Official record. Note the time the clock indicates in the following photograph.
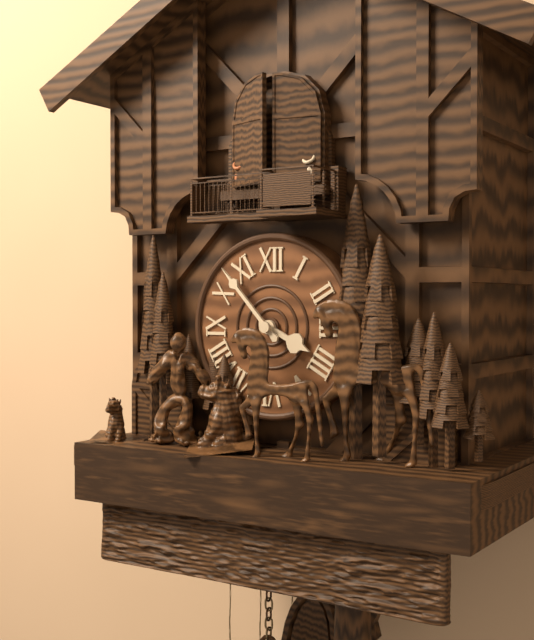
3:53
